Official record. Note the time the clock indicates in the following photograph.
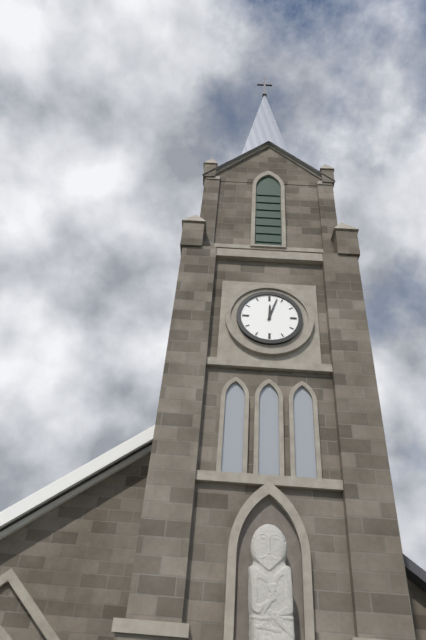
12:03
